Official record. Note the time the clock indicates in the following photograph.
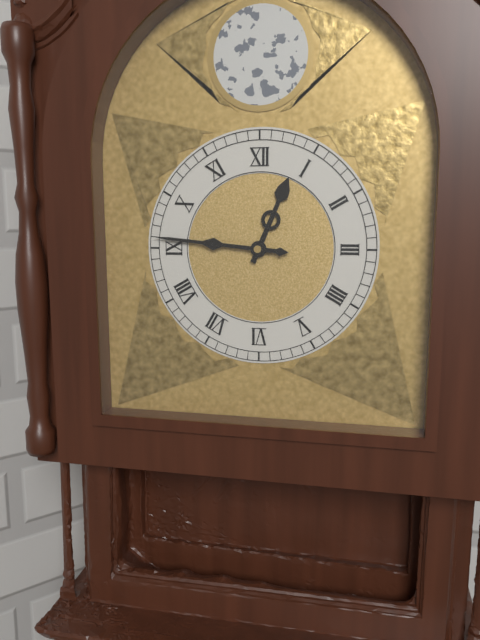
12:46
